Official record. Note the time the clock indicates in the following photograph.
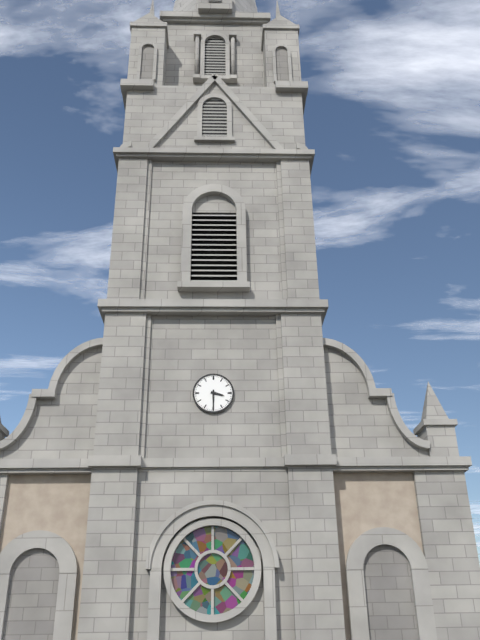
3:30
